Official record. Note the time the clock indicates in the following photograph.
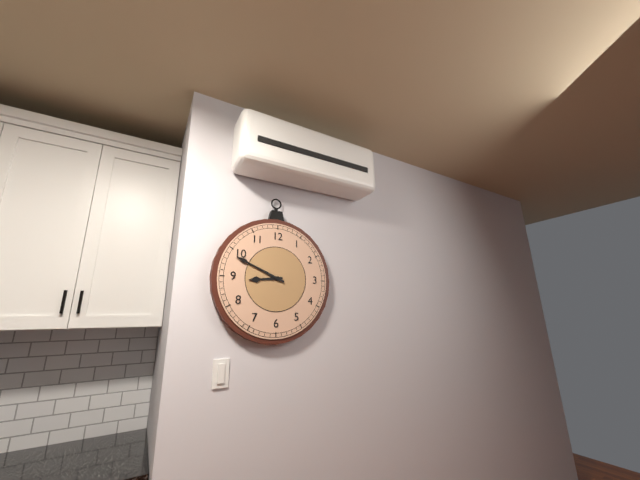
8:49
